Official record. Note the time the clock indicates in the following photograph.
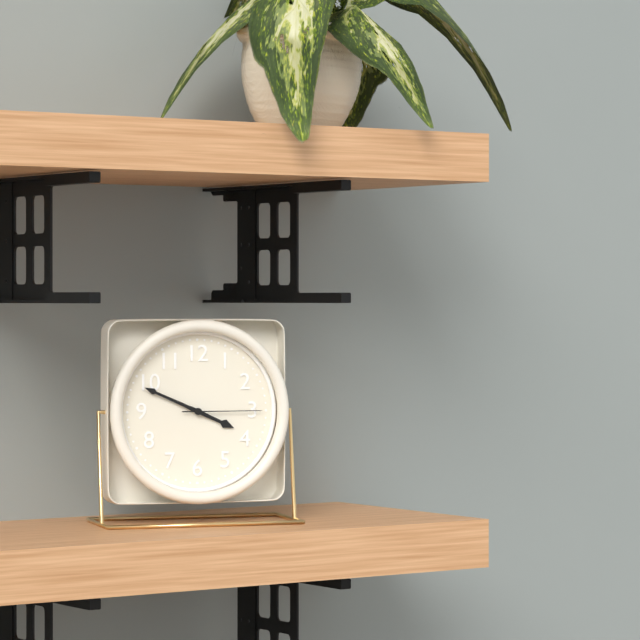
3:49:15
